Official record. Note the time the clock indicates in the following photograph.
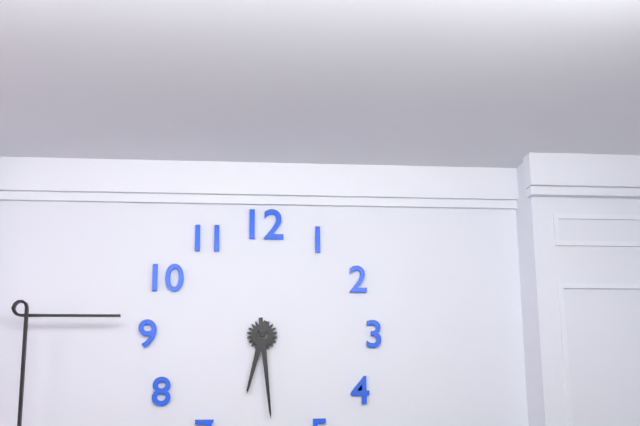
6:29
